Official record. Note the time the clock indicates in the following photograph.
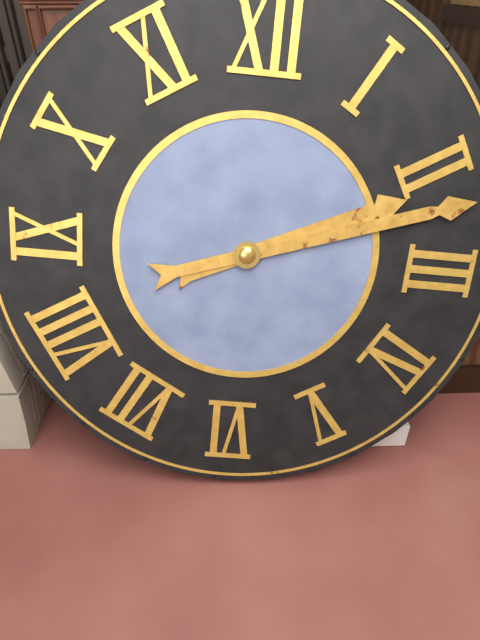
2:12
